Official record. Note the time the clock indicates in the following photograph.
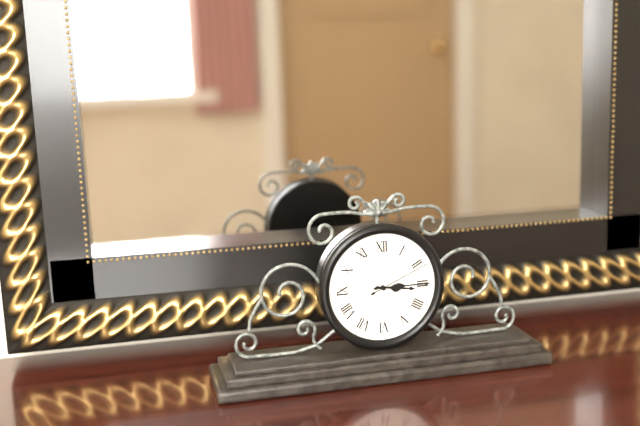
3:15:11
